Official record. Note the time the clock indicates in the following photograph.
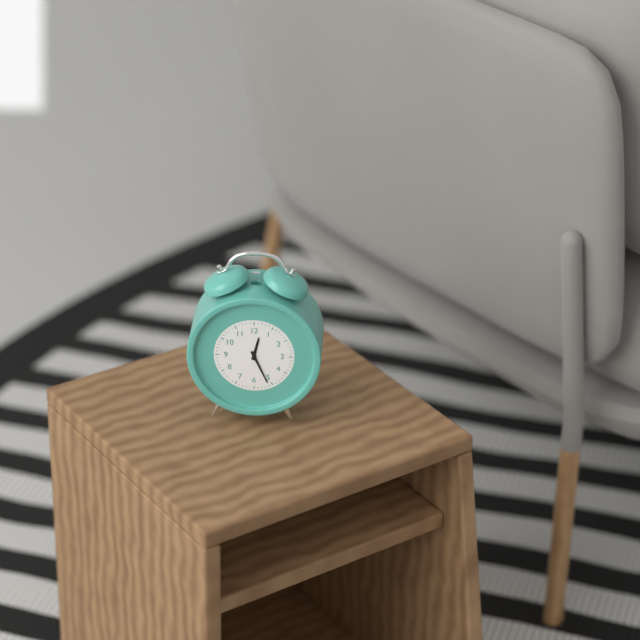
12:26
